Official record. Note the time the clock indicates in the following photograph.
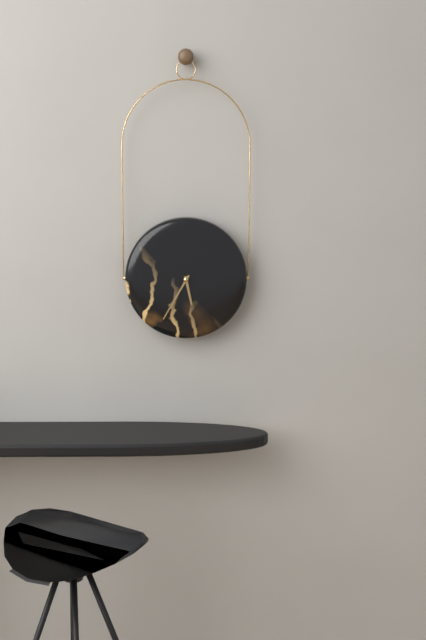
5:35
